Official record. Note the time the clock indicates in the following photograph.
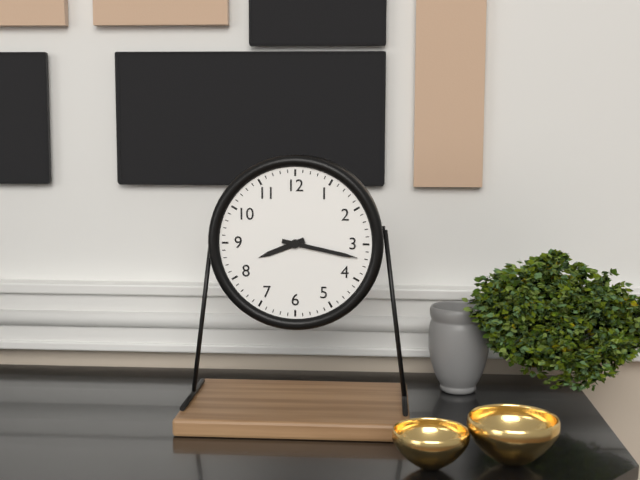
8:17
